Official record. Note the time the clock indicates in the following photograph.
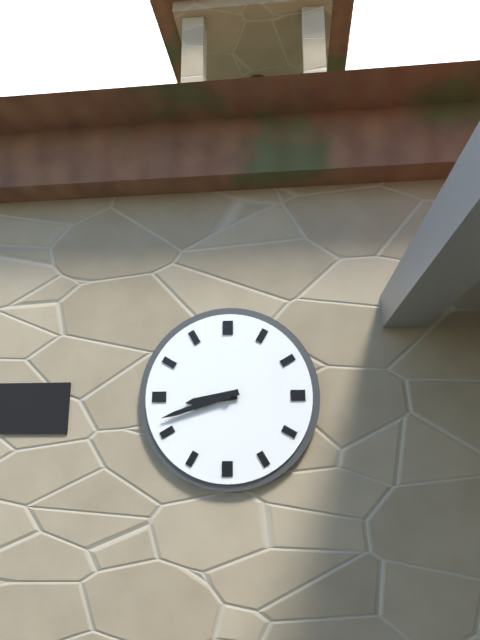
8:42
